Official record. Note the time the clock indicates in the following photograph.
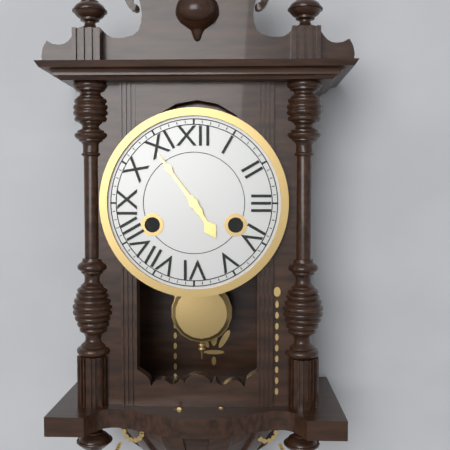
4:54
